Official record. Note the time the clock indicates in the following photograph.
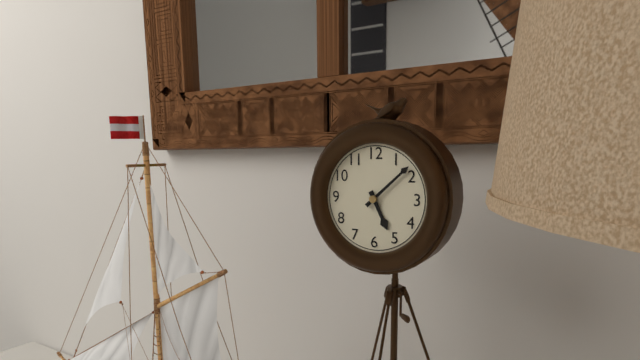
5:08
